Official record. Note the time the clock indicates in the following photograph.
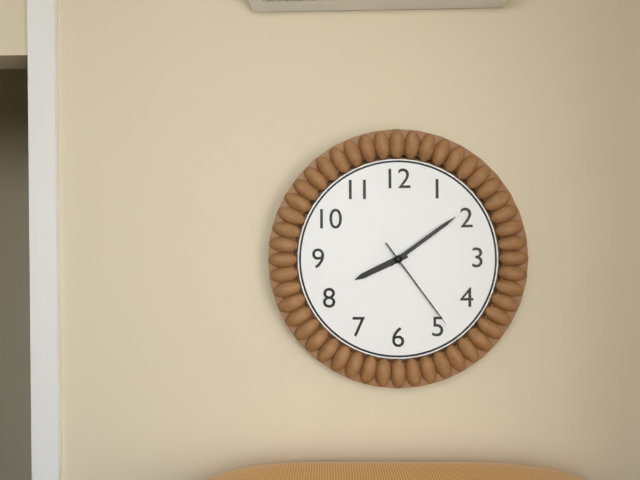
8:09:24
